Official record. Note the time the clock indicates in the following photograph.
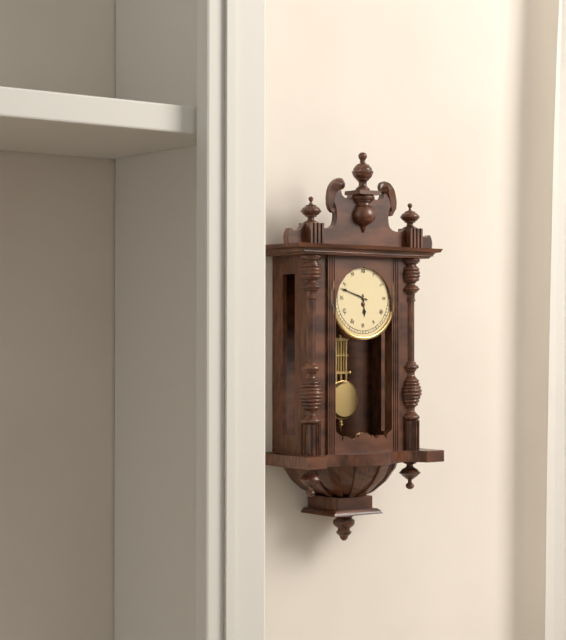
5:48
